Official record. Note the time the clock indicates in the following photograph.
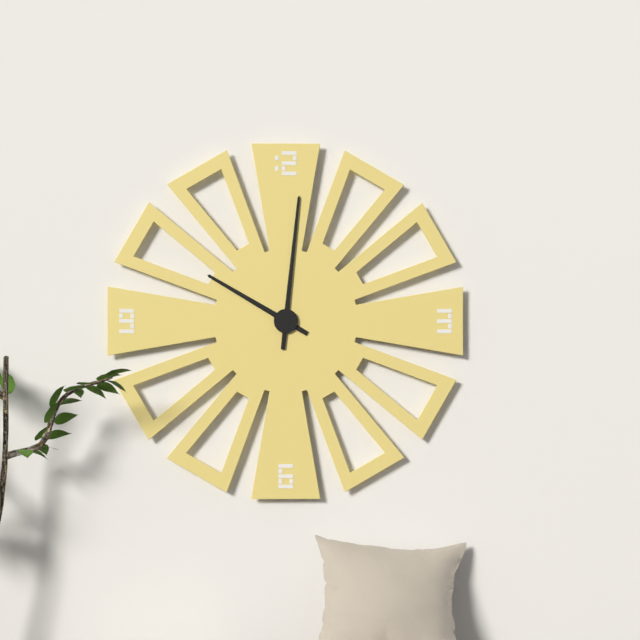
10:01
